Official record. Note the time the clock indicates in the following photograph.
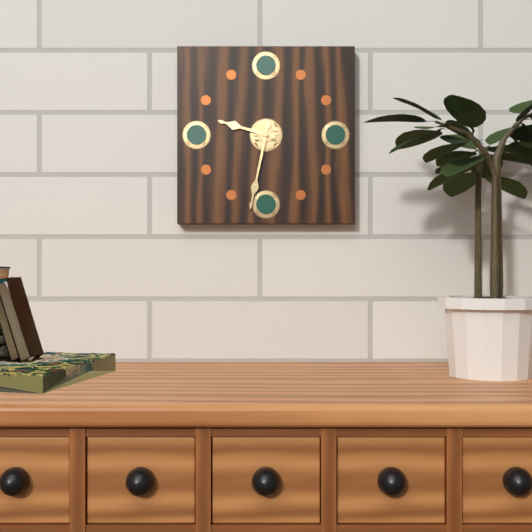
9:32
